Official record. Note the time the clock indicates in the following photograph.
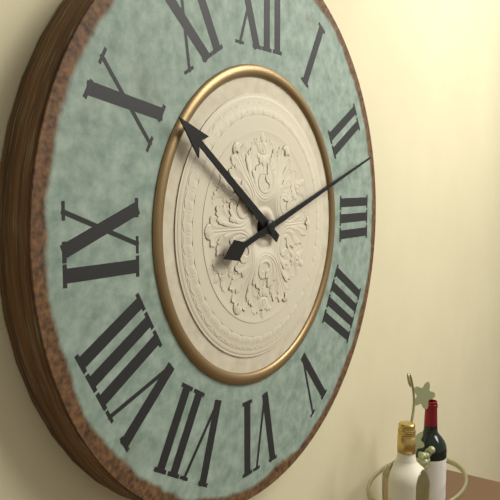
10:12
